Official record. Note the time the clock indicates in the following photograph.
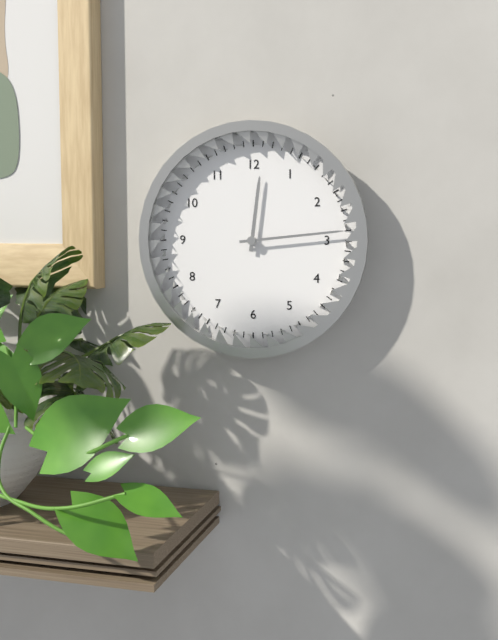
12:14
